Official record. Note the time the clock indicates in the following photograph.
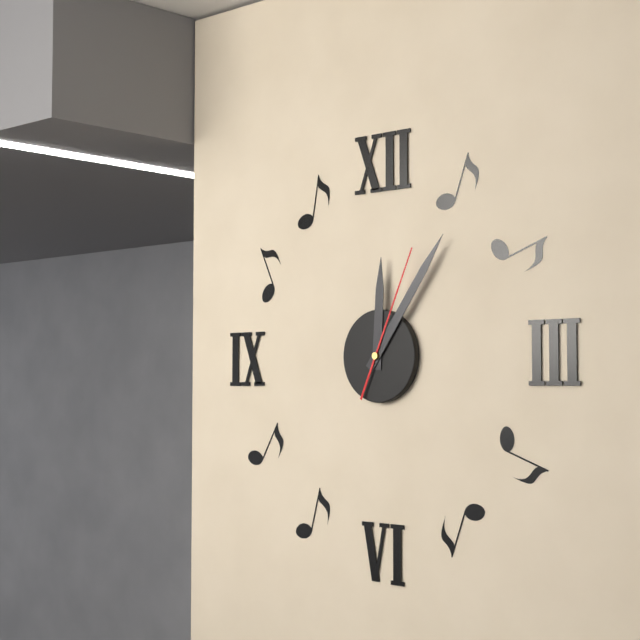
12:06:04
